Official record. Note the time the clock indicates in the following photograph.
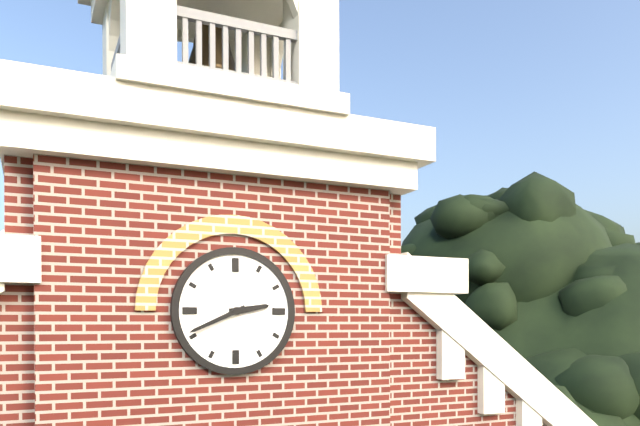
2:41
